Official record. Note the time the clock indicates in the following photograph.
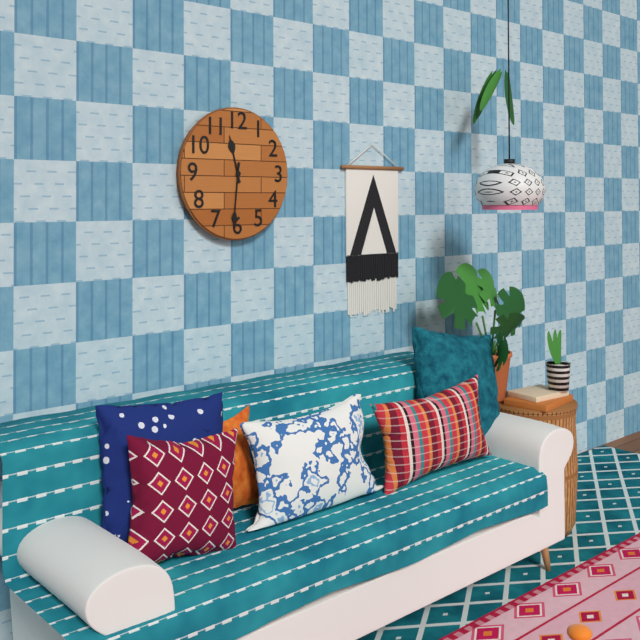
11:31
